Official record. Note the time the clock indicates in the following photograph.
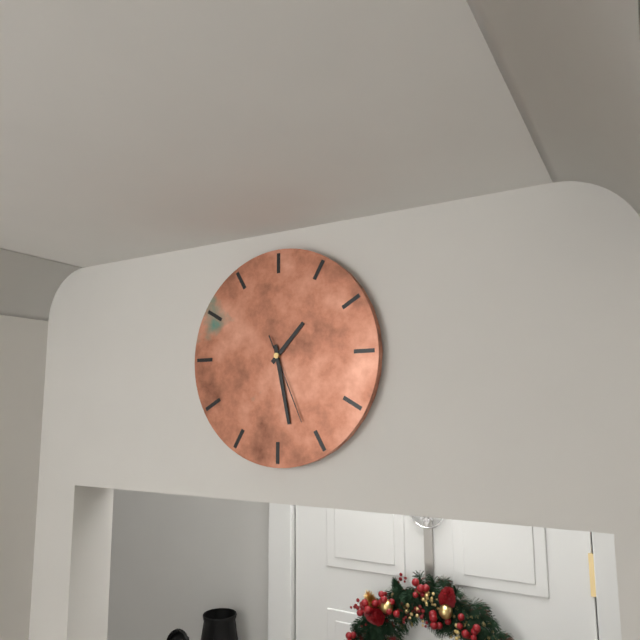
1:28:26
